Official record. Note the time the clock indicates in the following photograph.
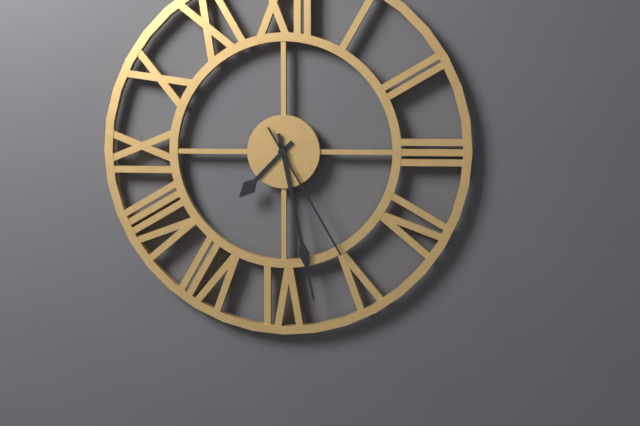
7:28:25
